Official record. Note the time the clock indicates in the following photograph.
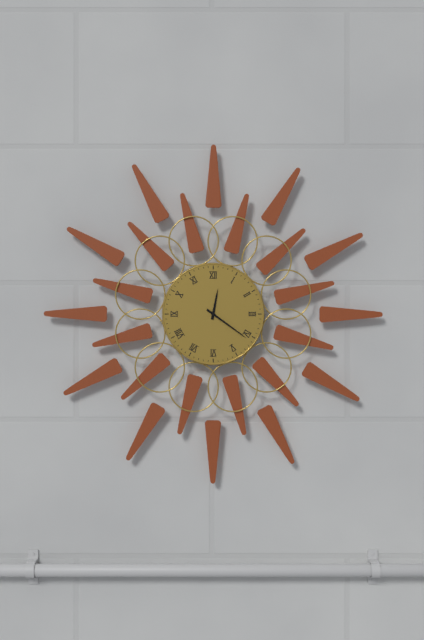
12:21
